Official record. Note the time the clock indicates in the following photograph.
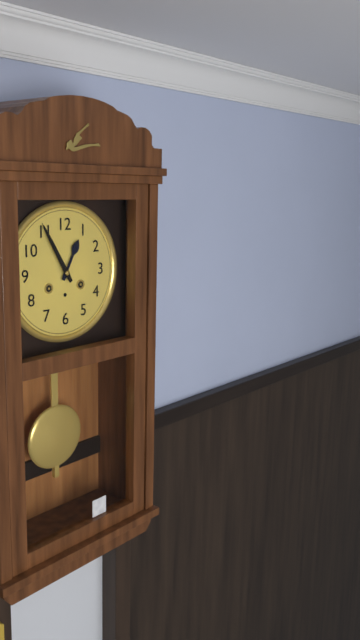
12:55
